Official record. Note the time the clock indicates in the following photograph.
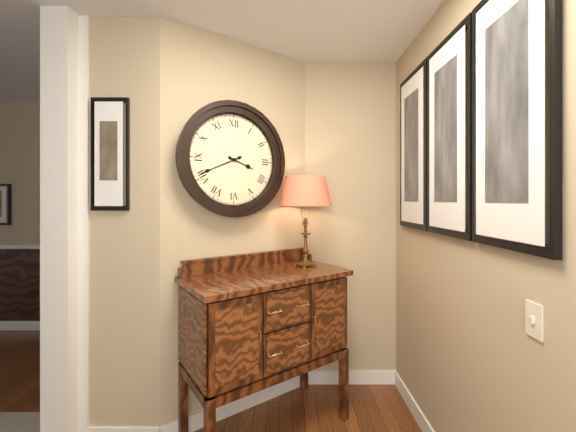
3:41
